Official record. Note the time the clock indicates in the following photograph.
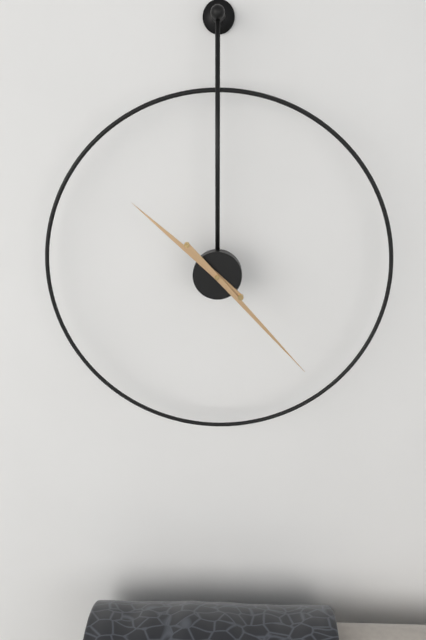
10:23
